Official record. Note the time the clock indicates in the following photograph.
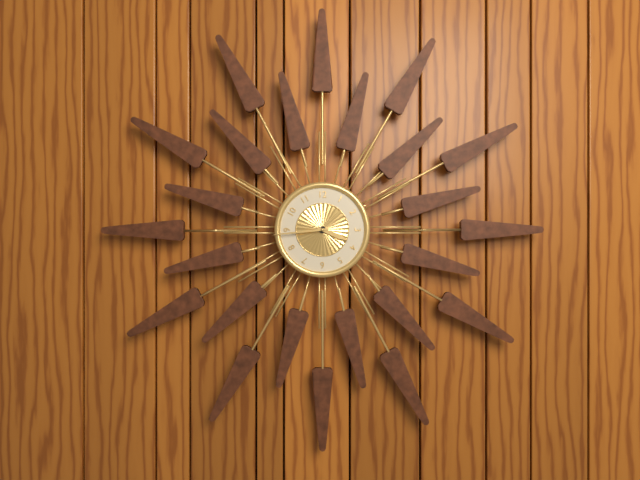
3:44
